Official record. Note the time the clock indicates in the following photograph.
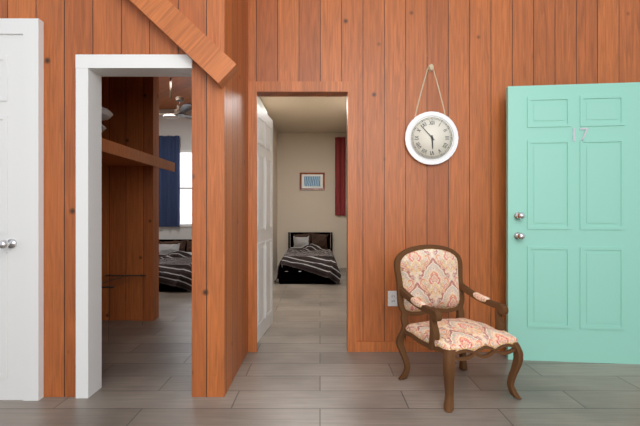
5:53
